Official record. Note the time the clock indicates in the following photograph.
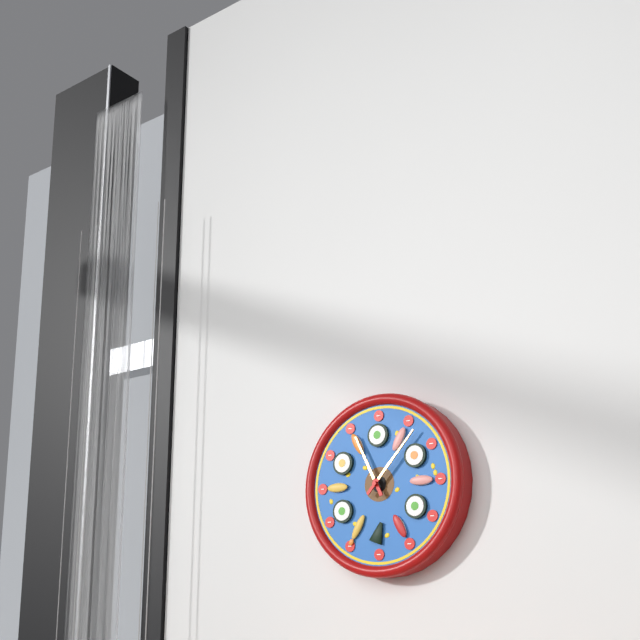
11:07
